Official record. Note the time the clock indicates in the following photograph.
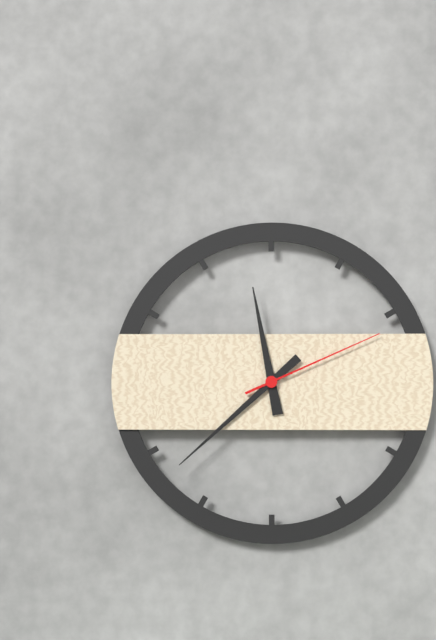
11:38:11
